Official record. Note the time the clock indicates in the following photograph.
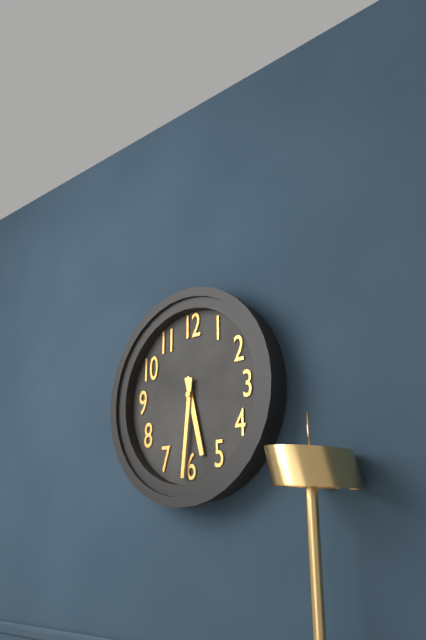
5:31
